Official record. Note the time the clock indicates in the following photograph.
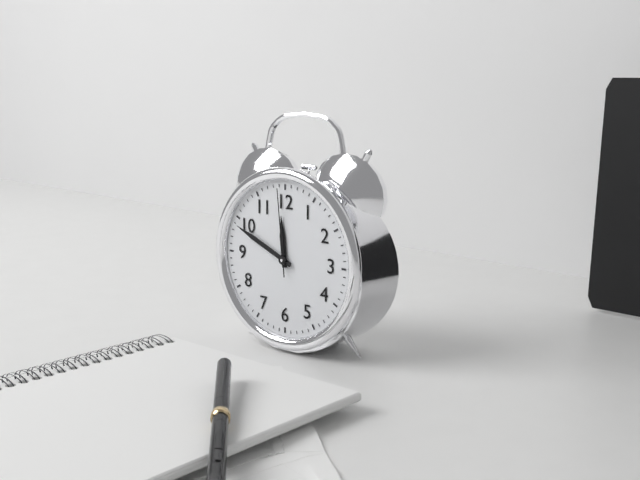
11:49:59
